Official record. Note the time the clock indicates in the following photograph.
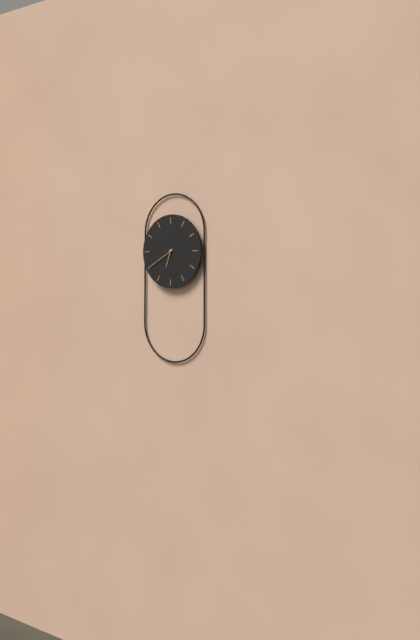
6:40
